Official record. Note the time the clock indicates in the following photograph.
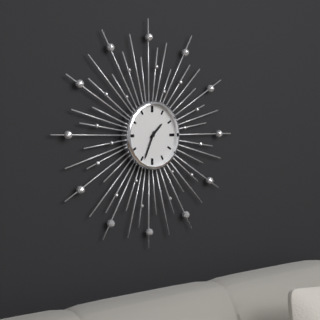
1:34
